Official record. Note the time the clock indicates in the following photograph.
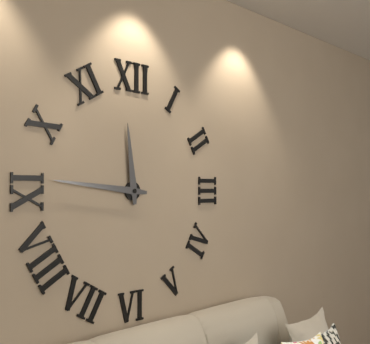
11:46
